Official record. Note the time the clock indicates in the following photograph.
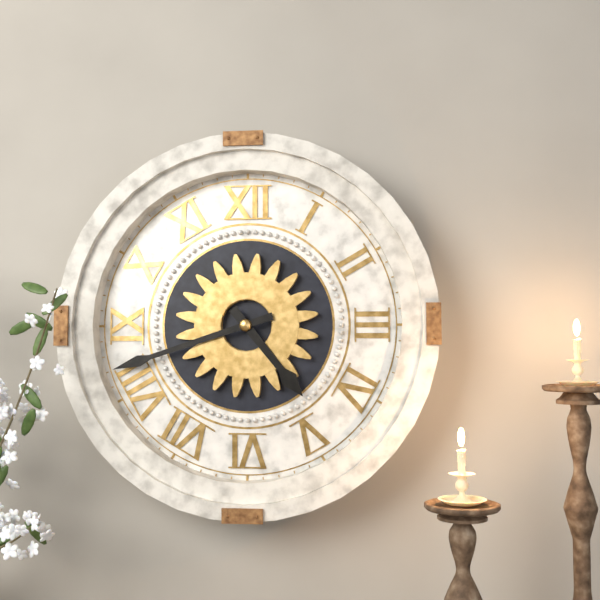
4:42
